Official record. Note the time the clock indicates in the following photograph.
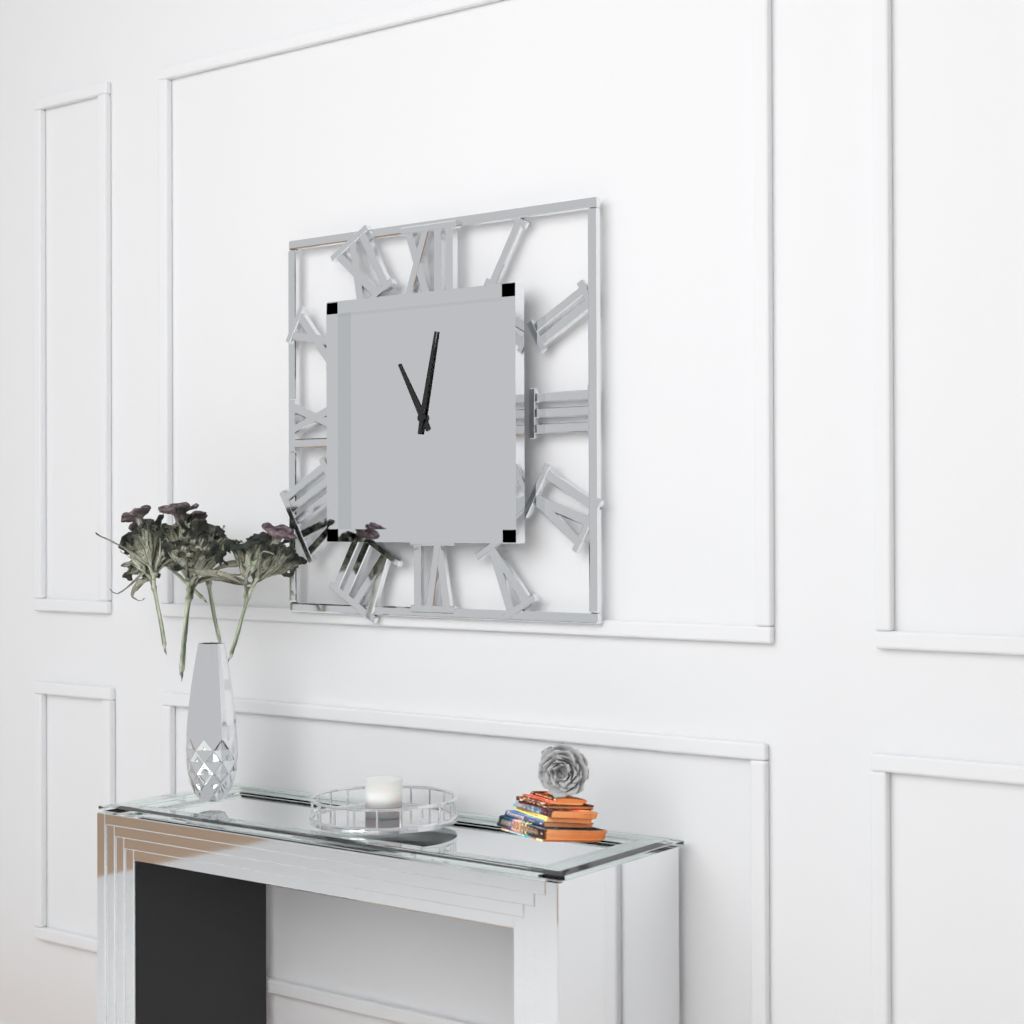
11:02
